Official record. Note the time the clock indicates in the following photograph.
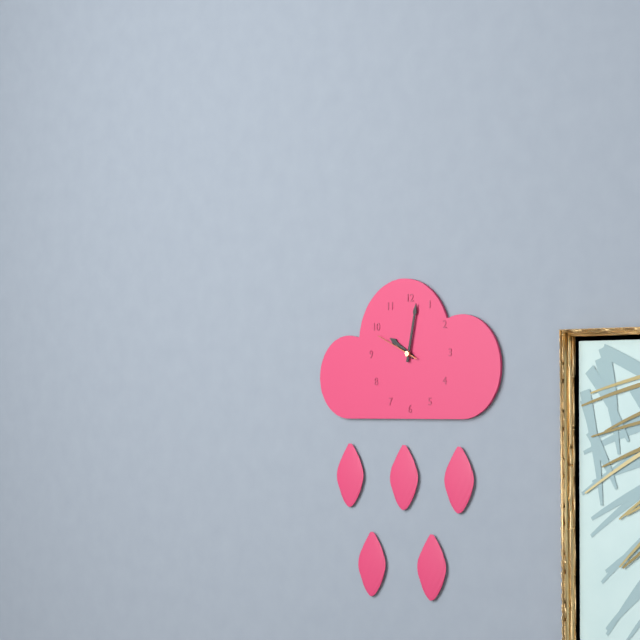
10:02
